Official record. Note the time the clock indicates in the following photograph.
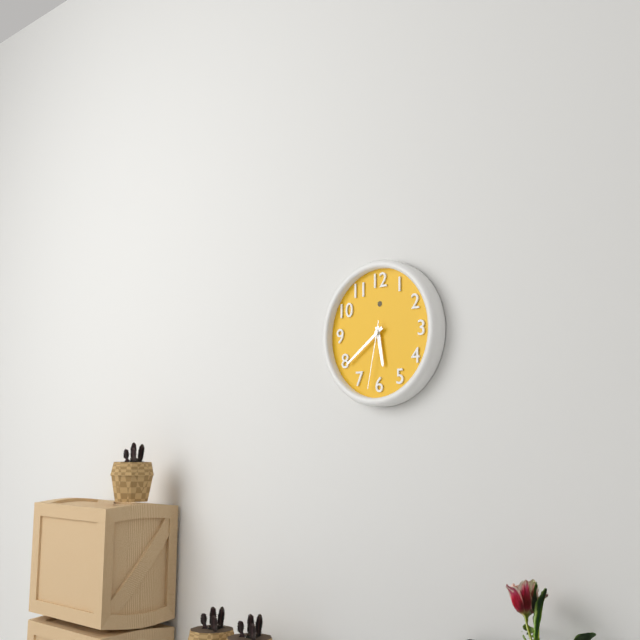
5:39:32
